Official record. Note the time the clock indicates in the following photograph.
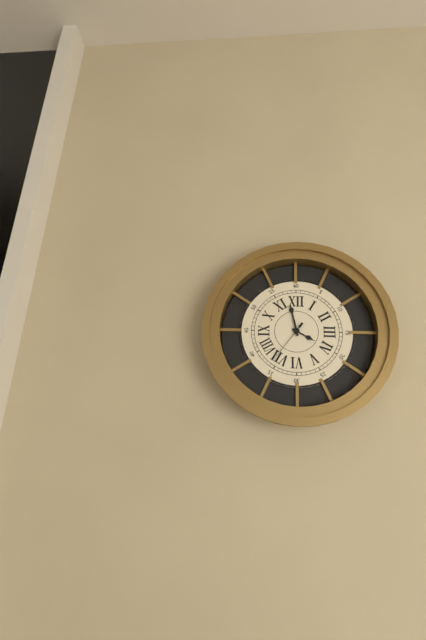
3:58
